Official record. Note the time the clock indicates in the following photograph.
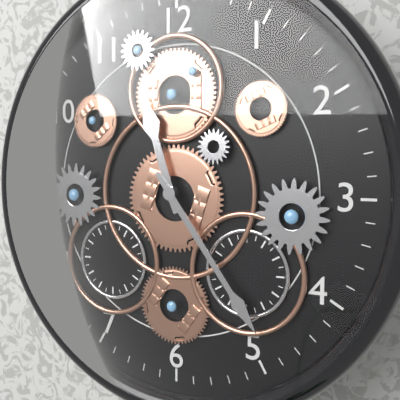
11:24
